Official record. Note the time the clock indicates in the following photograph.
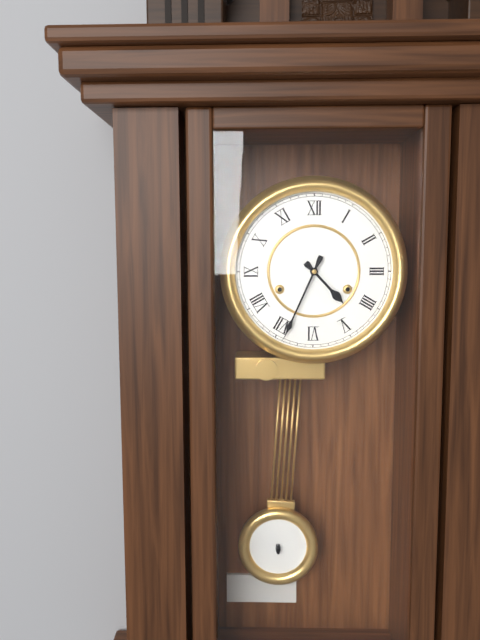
4:34
